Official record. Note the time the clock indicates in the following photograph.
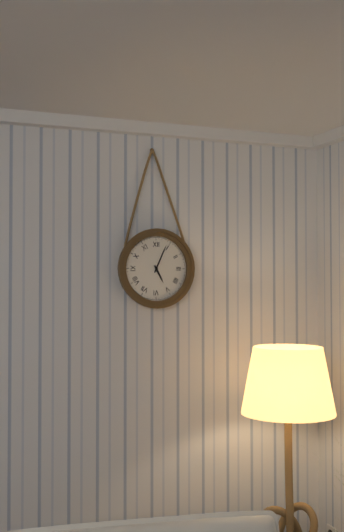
5:04
